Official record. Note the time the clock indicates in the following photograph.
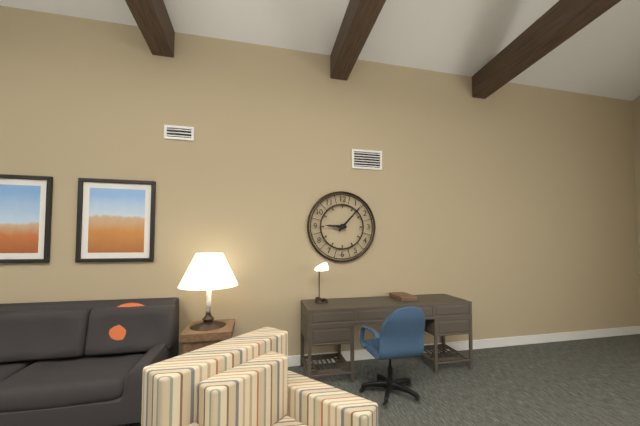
9:07
